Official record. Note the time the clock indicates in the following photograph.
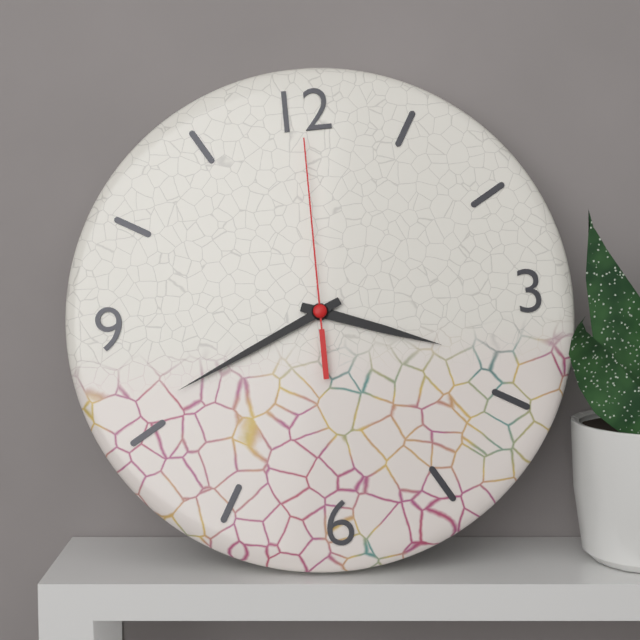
3:41:00
